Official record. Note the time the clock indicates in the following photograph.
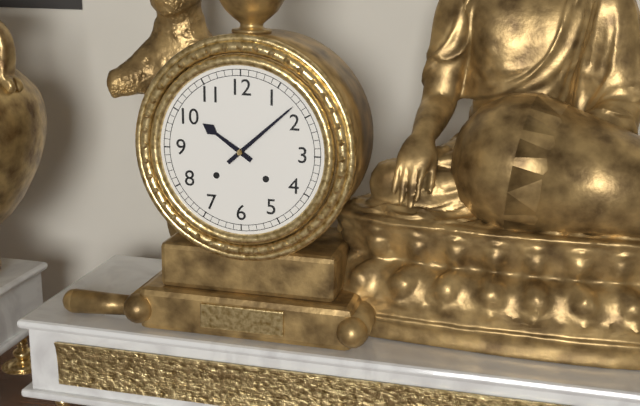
10:08
